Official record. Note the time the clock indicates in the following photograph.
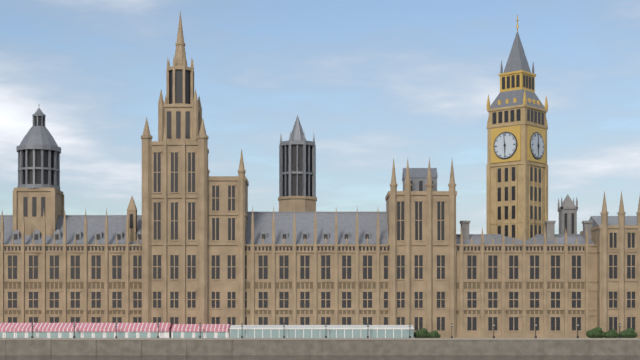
5:59
